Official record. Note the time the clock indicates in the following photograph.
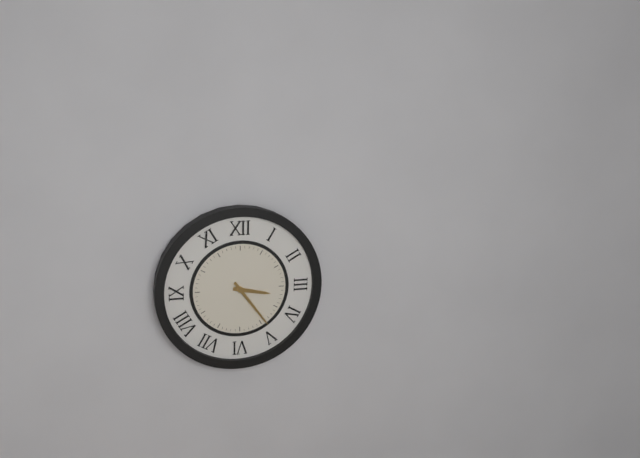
3:24
